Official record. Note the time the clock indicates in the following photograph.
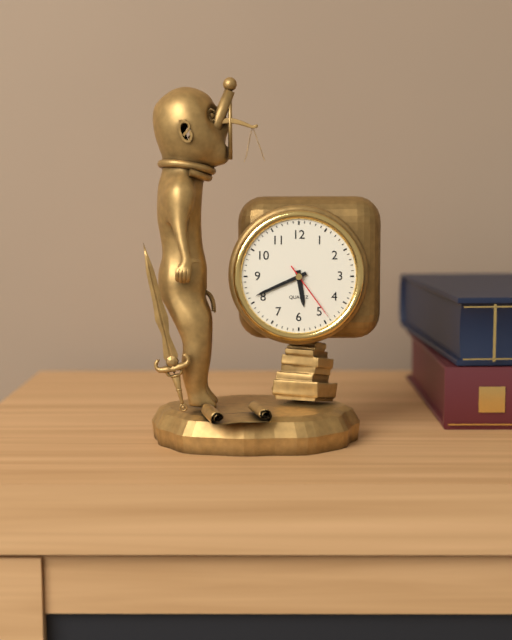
5:41:24
